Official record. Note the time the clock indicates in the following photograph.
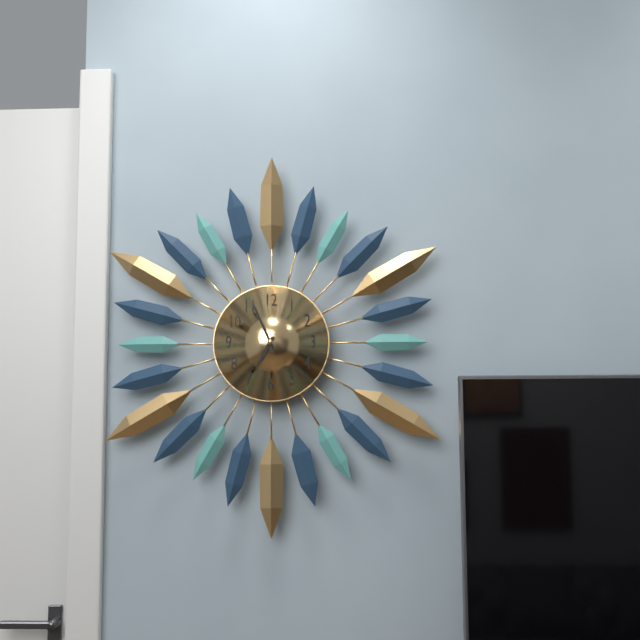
6:56
